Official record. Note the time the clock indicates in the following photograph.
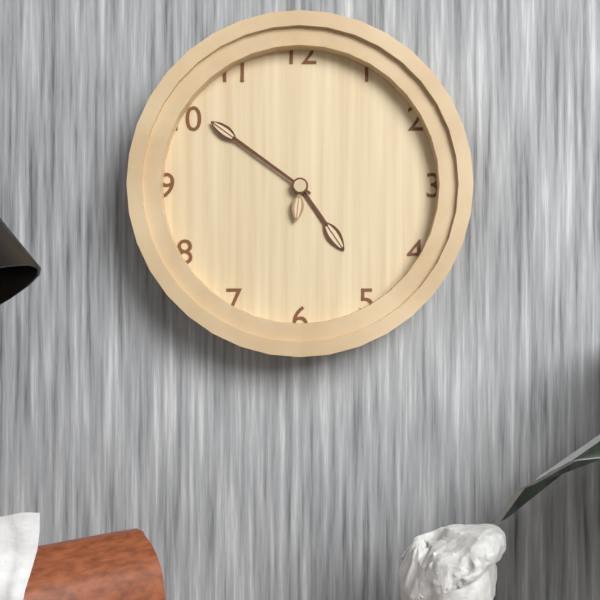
4:51
